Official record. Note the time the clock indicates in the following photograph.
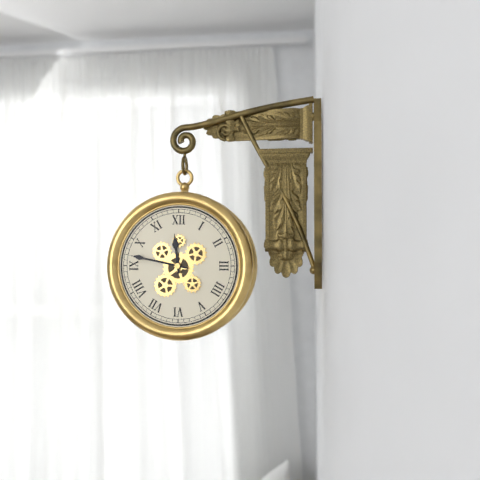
11:47
